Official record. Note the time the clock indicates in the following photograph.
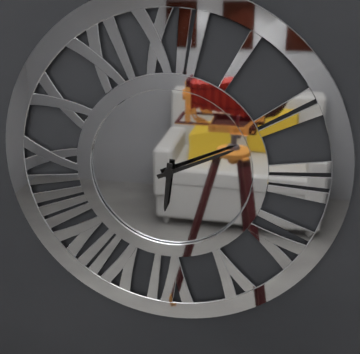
6:11
